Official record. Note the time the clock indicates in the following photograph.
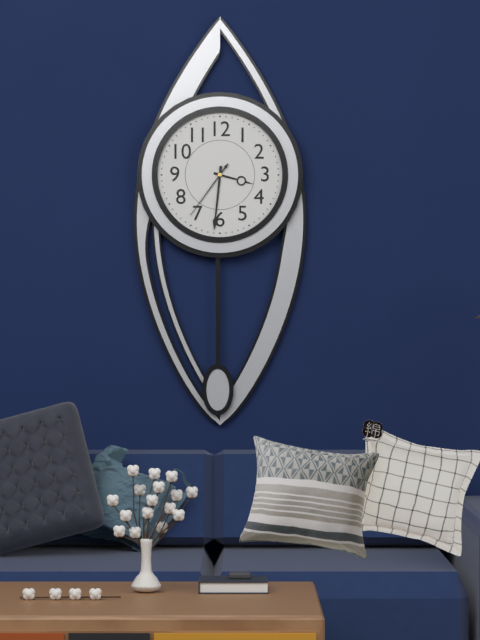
3:31:36
